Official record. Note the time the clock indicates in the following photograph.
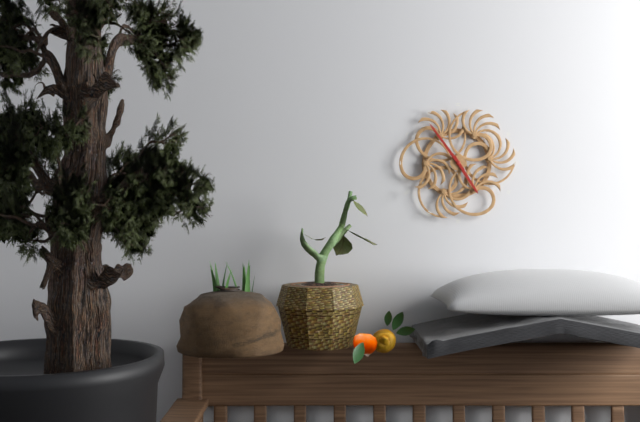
4:54
